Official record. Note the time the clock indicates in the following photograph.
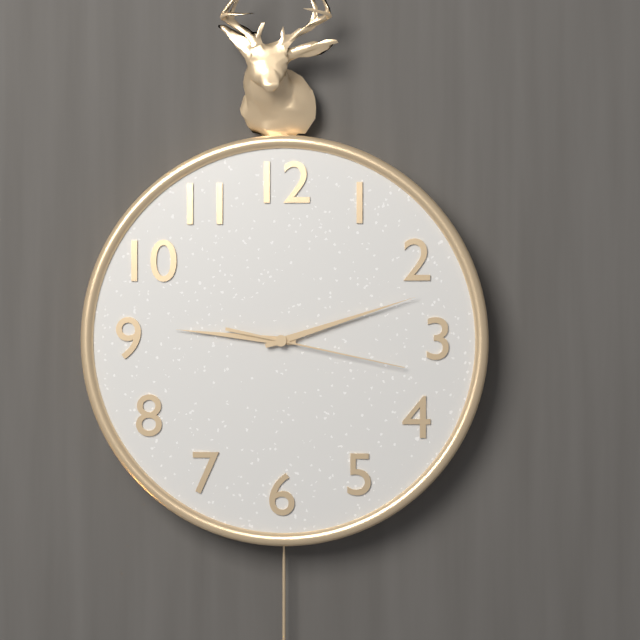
9:12:17
